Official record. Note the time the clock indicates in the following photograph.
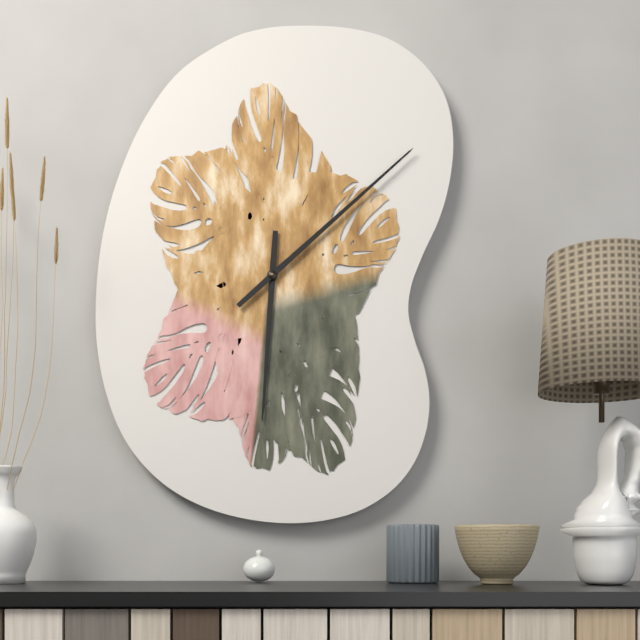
6:08
